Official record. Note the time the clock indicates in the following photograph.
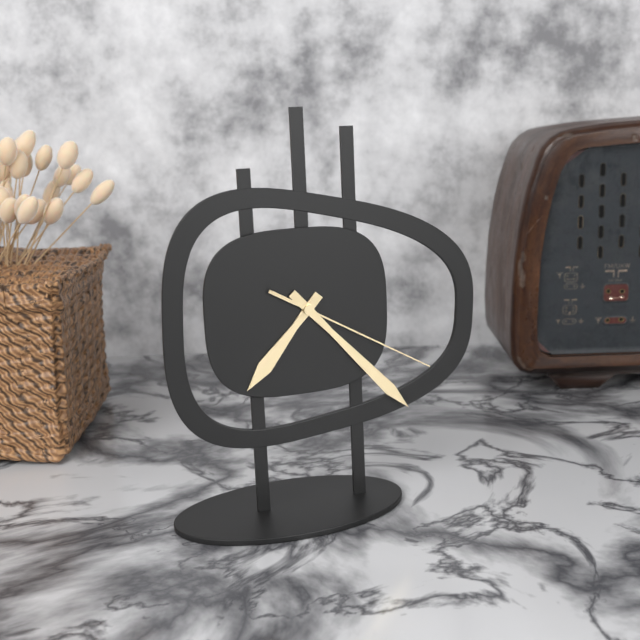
7:23:20
